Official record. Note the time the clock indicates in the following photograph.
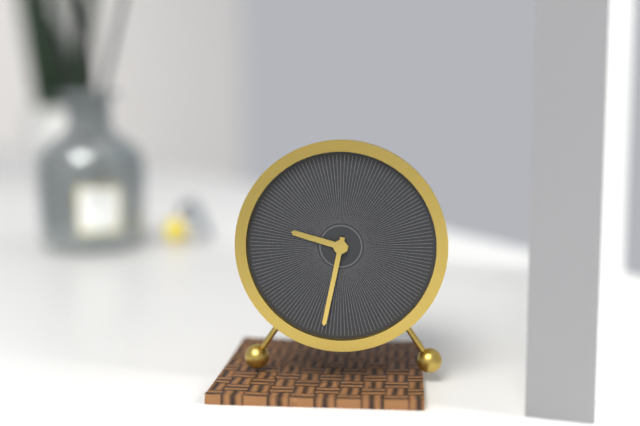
9:32
